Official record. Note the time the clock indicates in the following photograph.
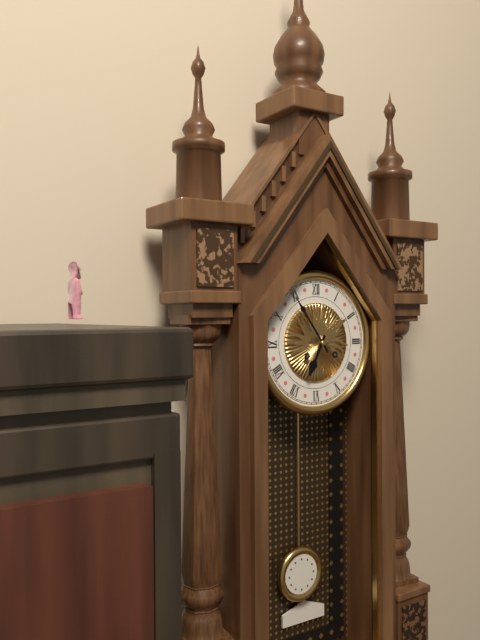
6:54
